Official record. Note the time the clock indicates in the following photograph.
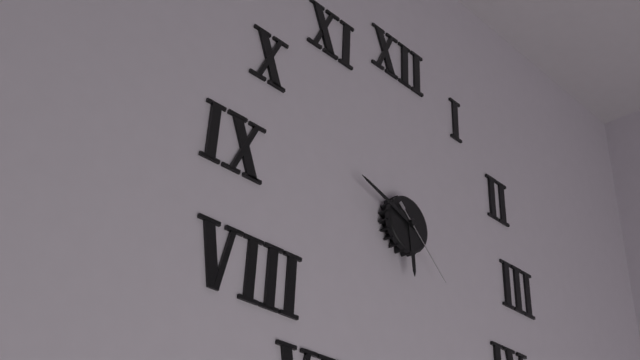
5:48:22
